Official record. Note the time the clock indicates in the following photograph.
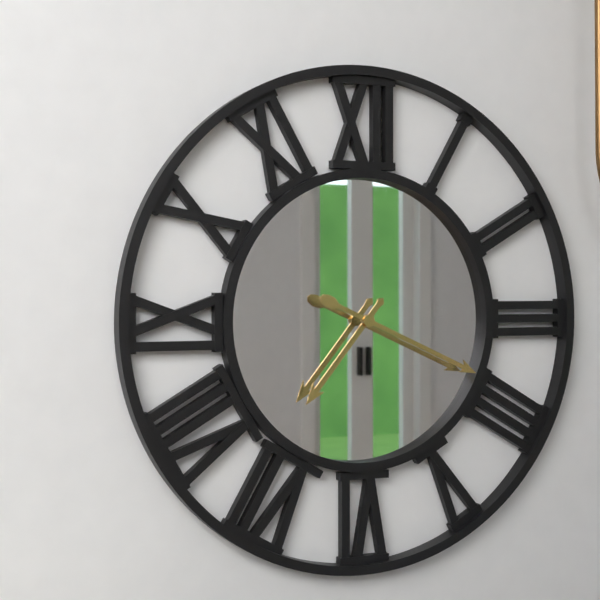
7:19
